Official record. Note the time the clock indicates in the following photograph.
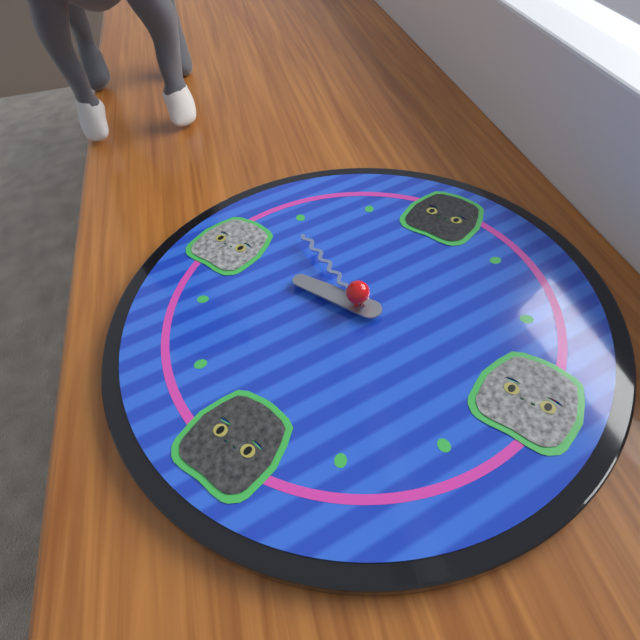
8:49
